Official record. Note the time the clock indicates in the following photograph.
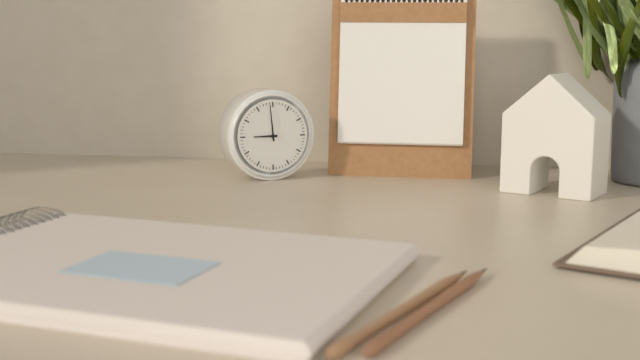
8:59
